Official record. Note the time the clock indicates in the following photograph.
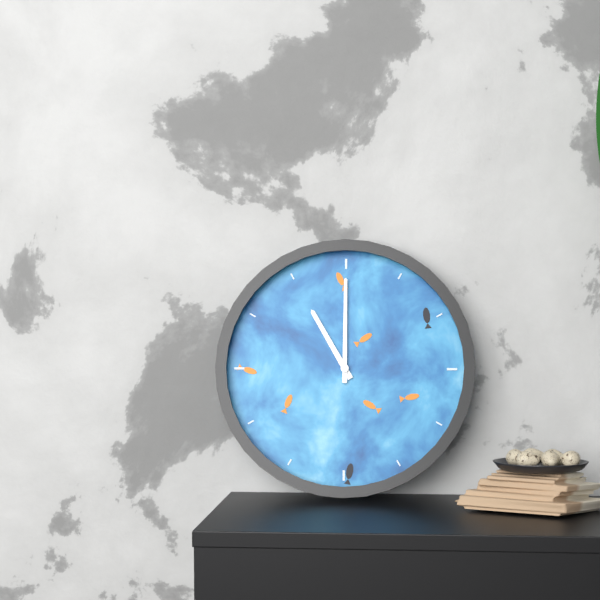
11:00
